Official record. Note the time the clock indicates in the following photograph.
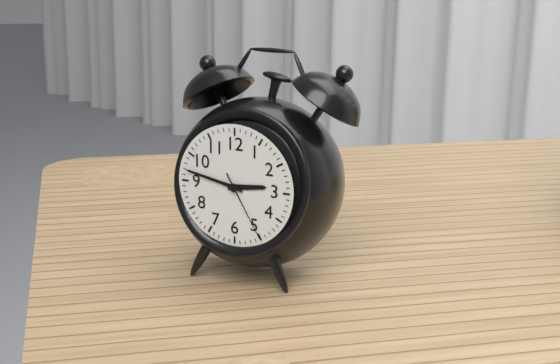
2:47:25
